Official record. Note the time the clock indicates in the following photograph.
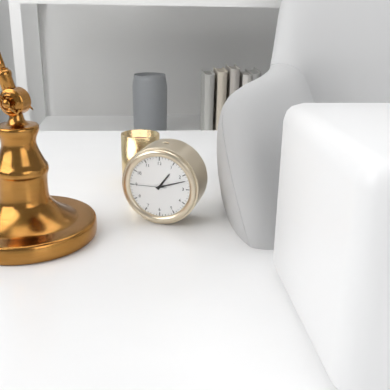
1:12
